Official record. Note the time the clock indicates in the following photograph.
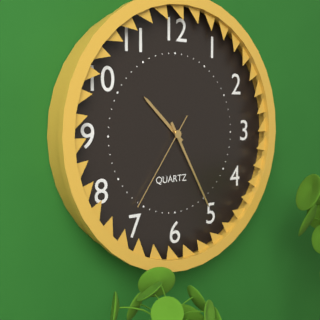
10:25:36
